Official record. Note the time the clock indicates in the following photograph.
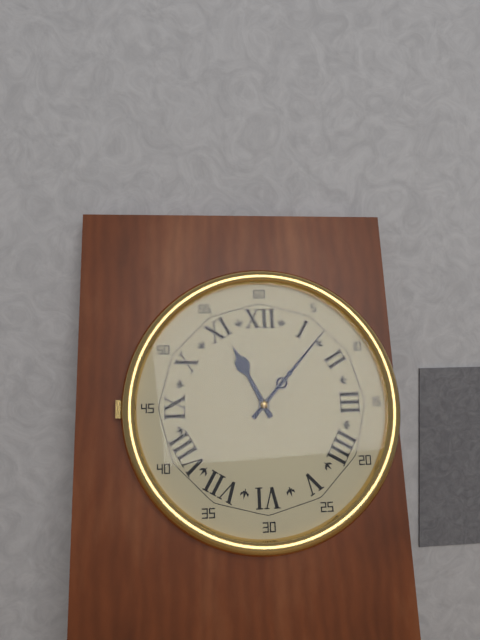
11:07
